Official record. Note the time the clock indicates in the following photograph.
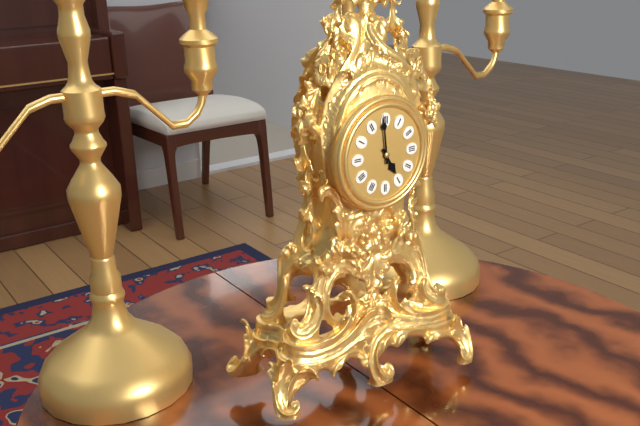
4:59
